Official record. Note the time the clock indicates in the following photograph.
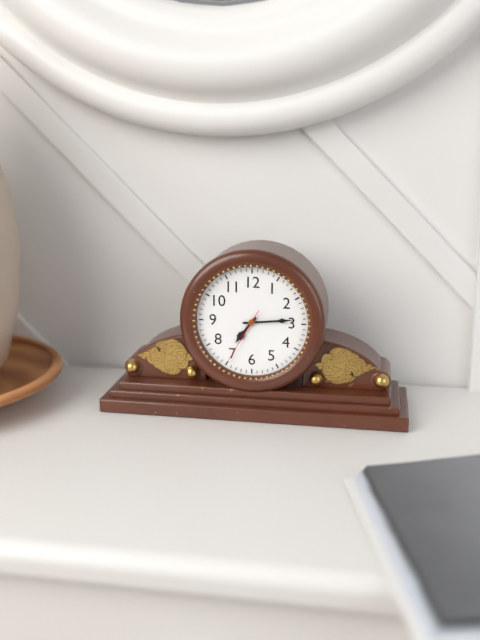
7:14:35
